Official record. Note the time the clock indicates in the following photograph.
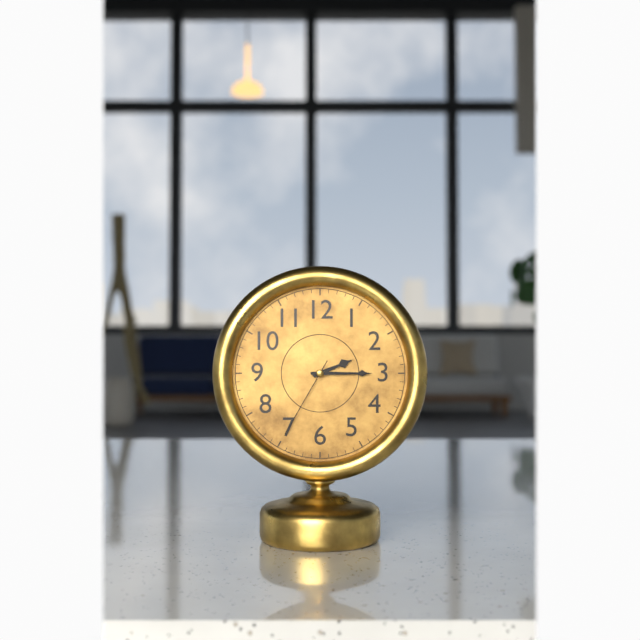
2:15:35
